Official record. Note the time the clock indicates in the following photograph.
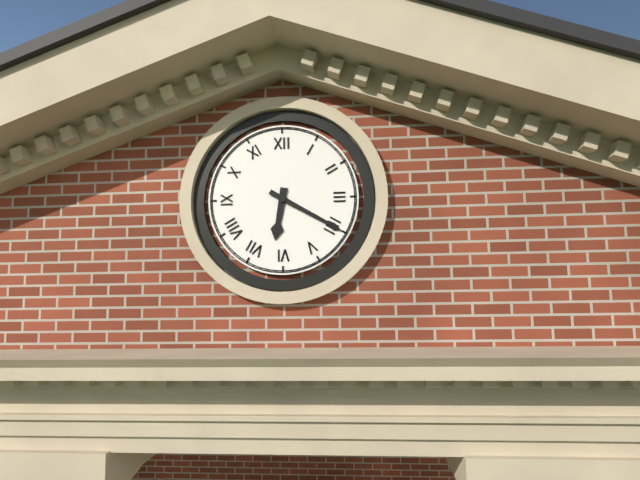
6:20
